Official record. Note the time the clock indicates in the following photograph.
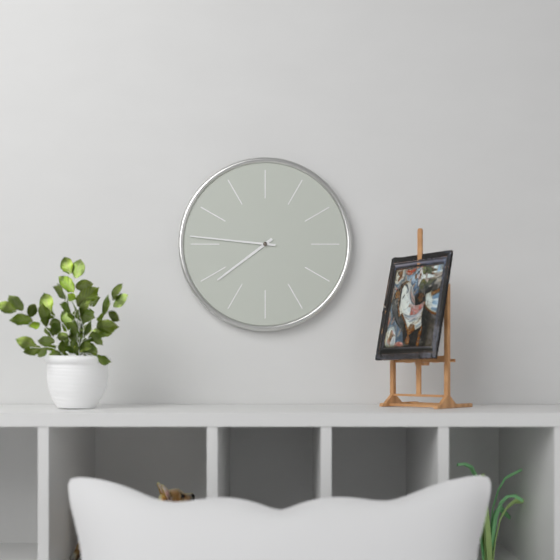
7:46
